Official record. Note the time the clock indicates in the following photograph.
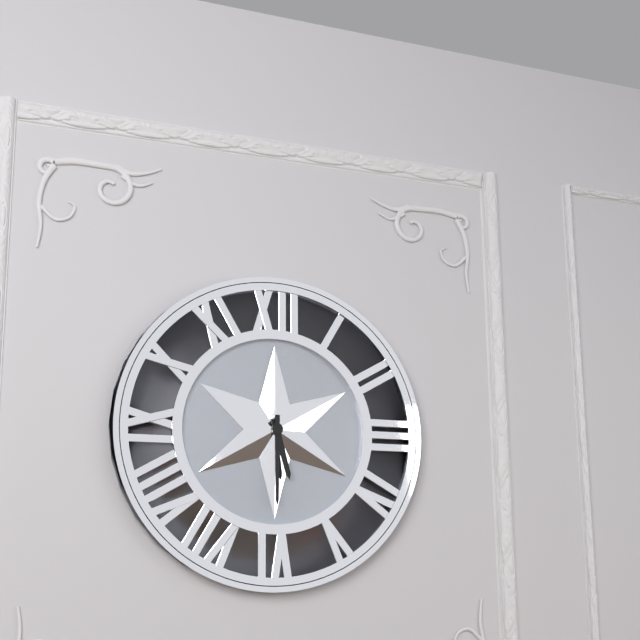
5:30
